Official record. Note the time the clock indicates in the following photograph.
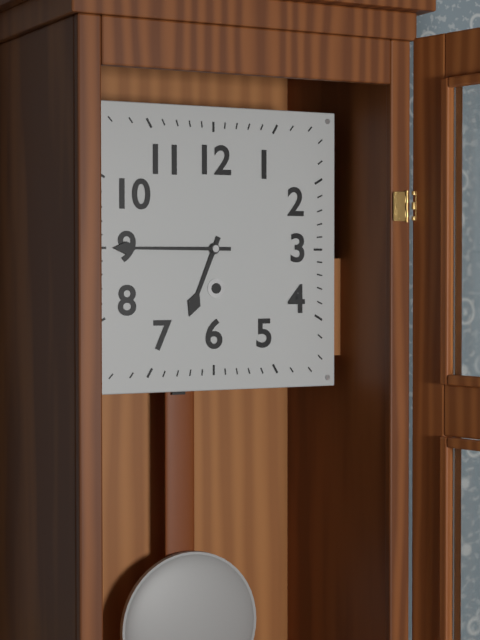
6:45
